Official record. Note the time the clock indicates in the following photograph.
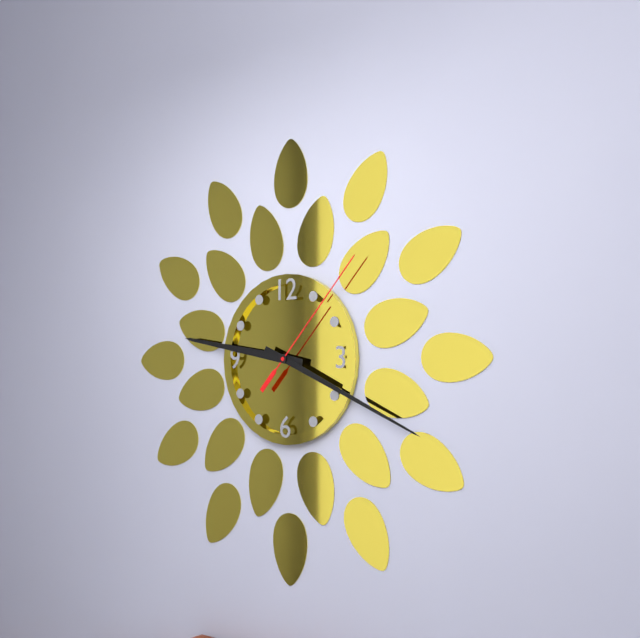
9:19:07
